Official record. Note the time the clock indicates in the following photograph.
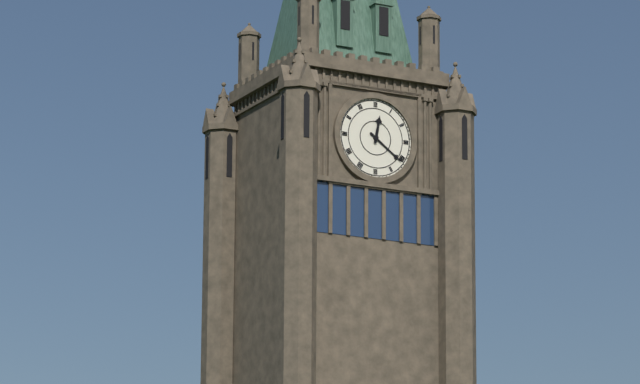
12:21
